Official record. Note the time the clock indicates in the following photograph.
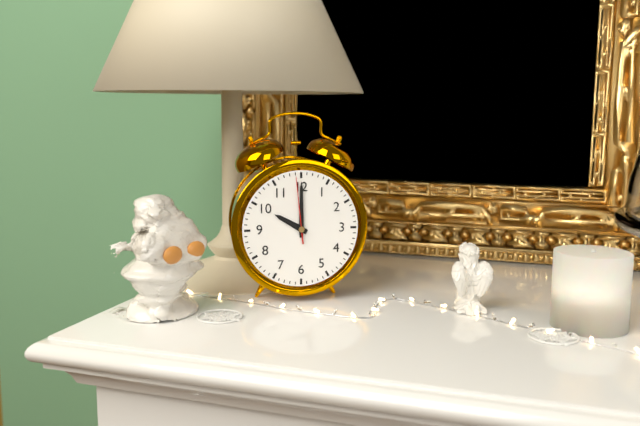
10:00:59
